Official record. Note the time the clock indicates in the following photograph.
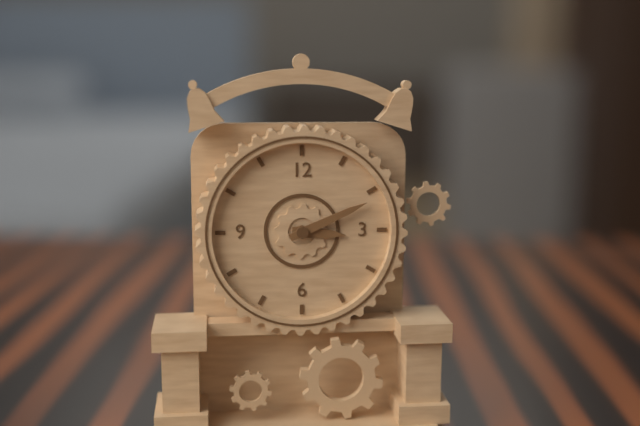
3:11
